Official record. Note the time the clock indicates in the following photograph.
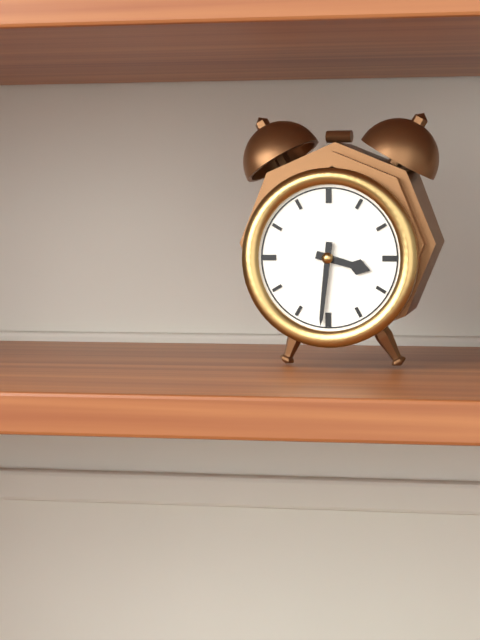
3:31
